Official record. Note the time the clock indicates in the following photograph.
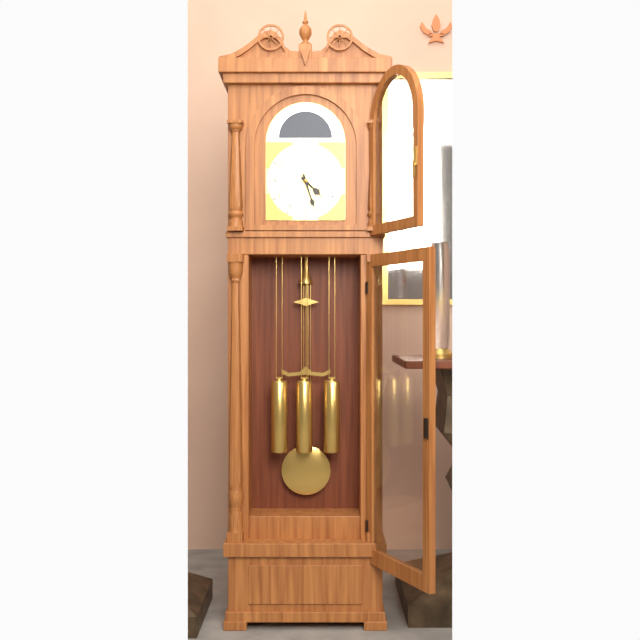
4:27
